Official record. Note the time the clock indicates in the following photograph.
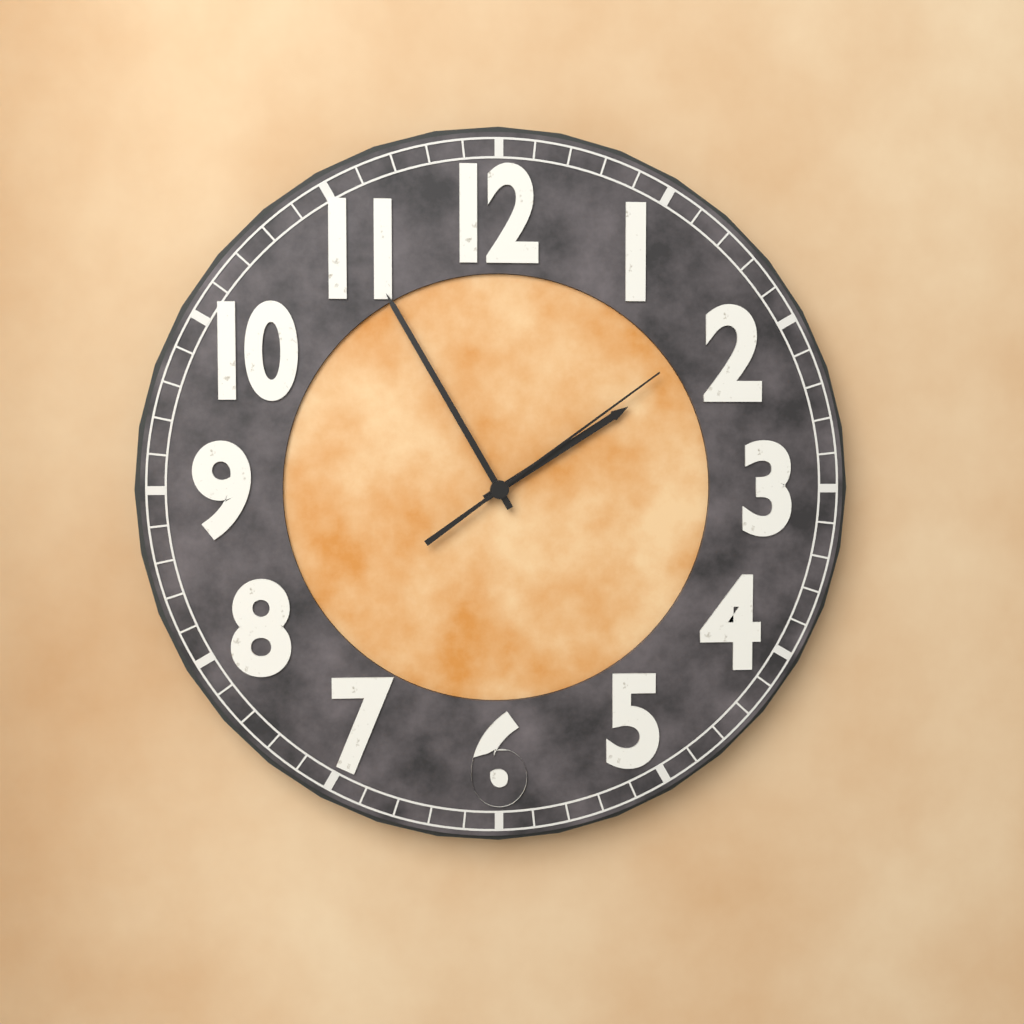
1:55:09
